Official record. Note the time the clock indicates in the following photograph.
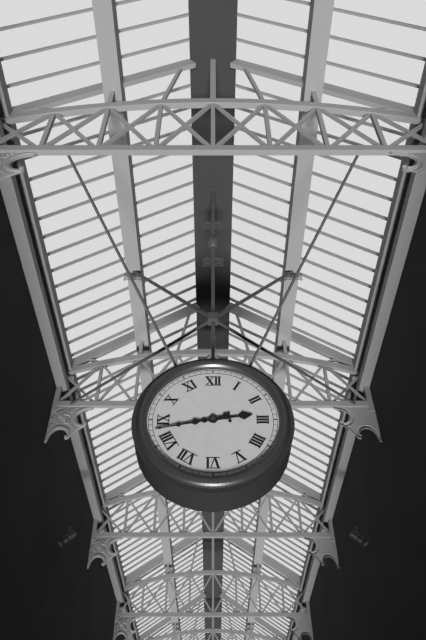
2:43
